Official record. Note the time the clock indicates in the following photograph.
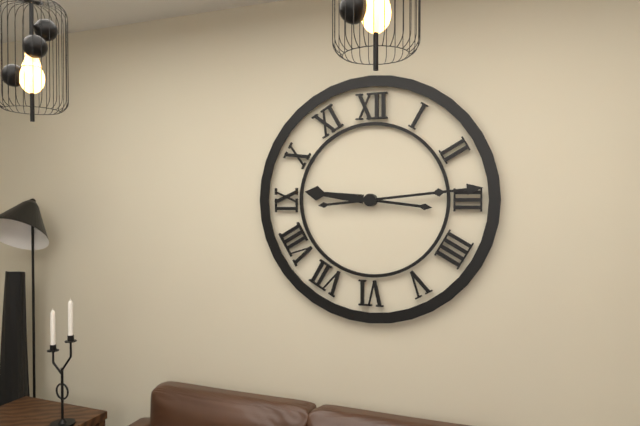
9:14
